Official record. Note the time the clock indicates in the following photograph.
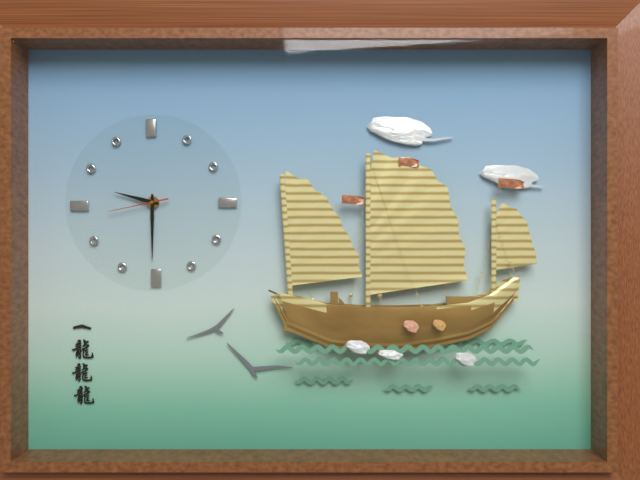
9:30:43
